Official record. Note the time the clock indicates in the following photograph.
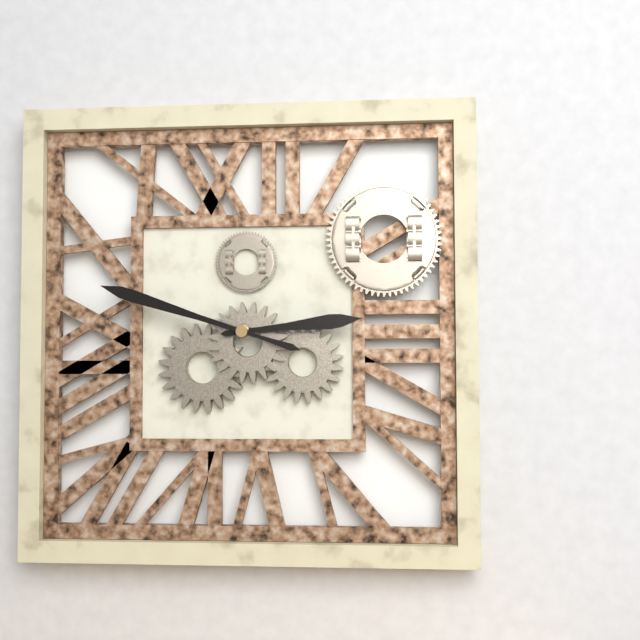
2:48
